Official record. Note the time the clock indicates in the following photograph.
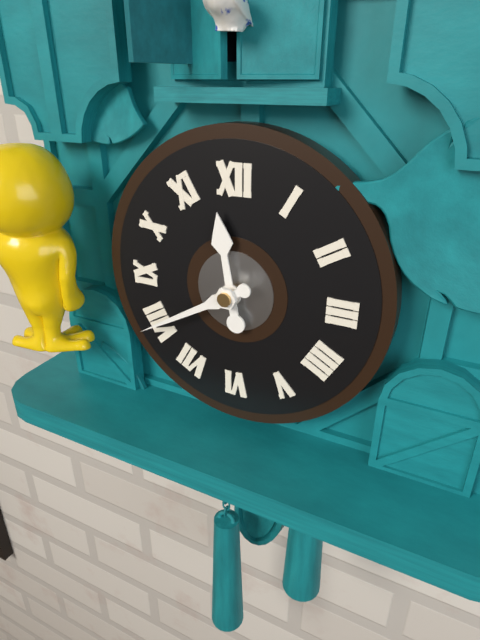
11:40
